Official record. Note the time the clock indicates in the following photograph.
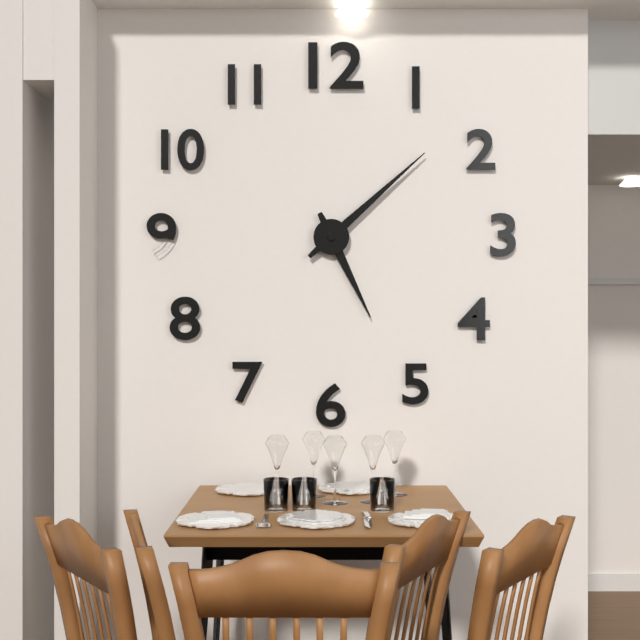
5:08
